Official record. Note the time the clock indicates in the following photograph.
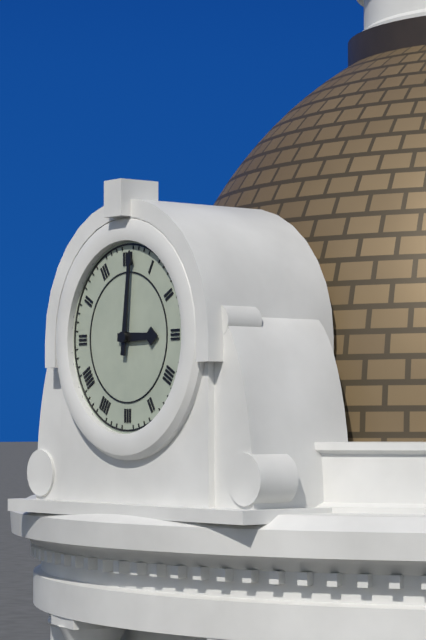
3:01
